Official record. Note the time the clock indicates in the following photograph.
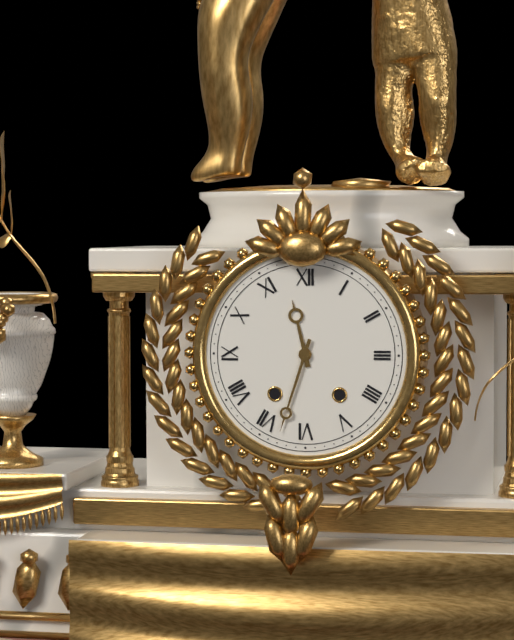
11:33
